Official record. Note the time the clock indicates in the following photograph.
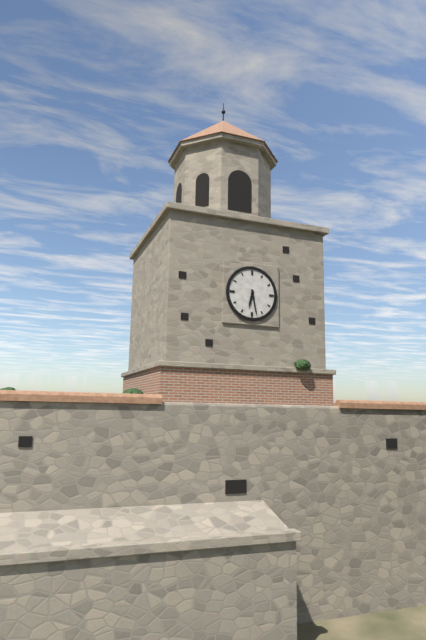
6:28
